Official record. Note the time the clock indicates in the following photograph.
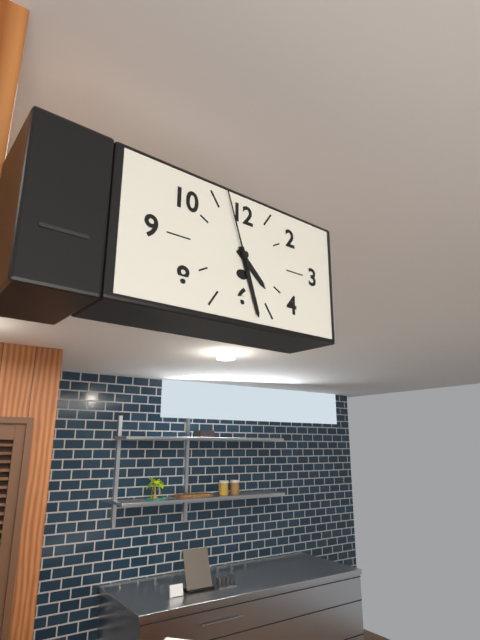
4:27:57
